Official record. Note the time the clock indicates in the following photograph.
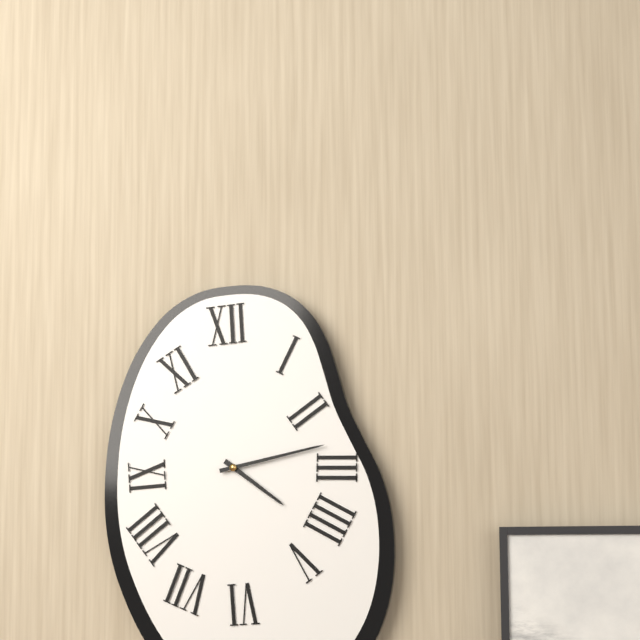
4:13
